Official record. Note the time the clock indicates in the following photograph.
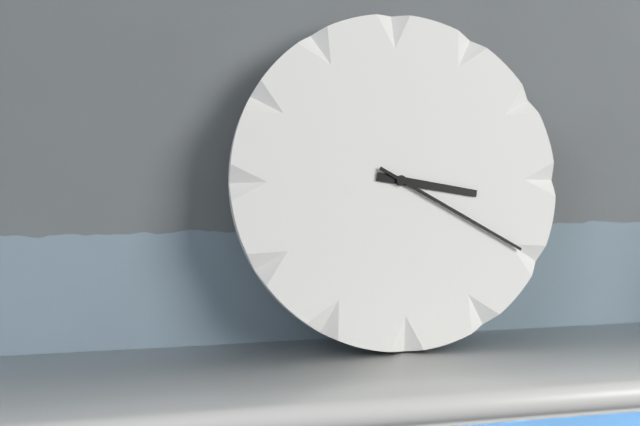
3:20
